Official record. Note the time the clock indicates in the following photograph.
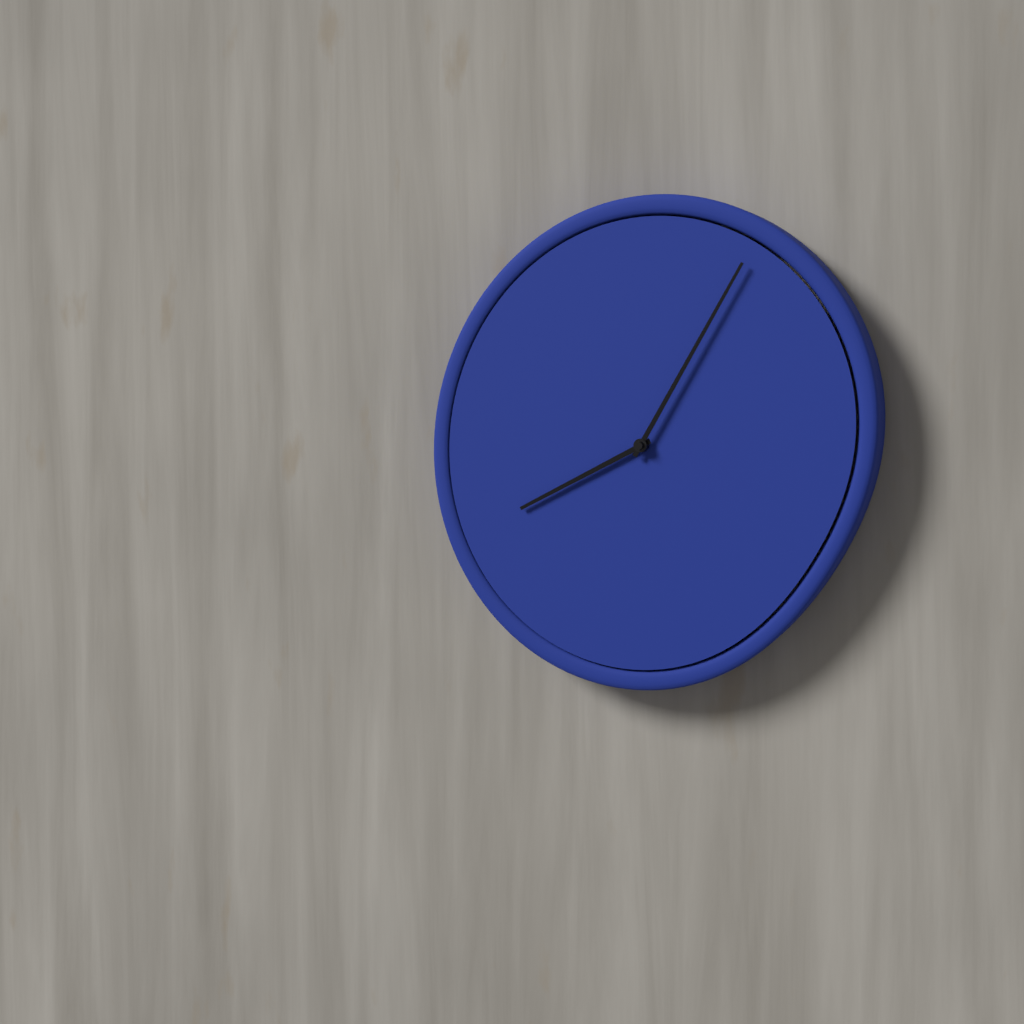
8:05
